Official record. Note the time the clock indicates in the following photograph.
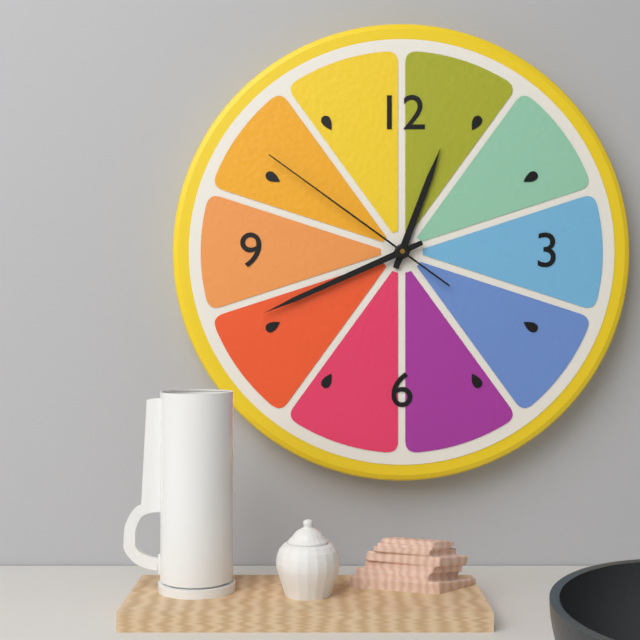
12:41:51
